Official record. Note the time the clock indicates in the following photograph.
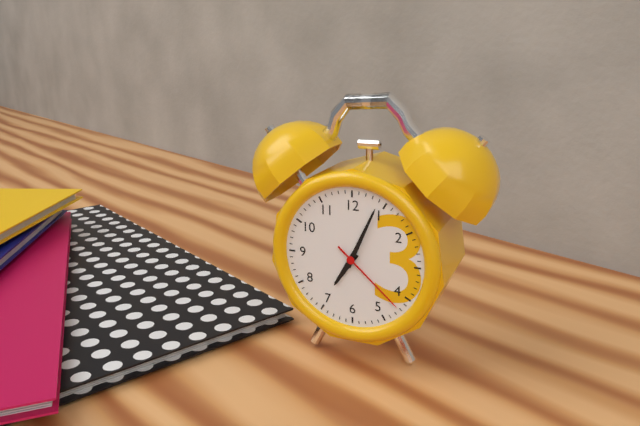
7:04:22
